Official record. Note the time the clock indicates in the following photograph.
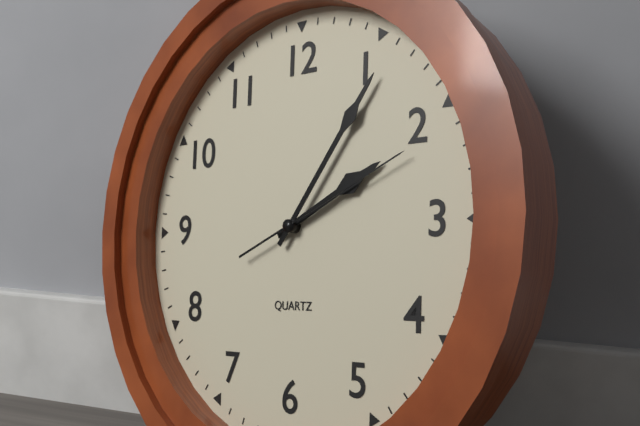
2:06:11
